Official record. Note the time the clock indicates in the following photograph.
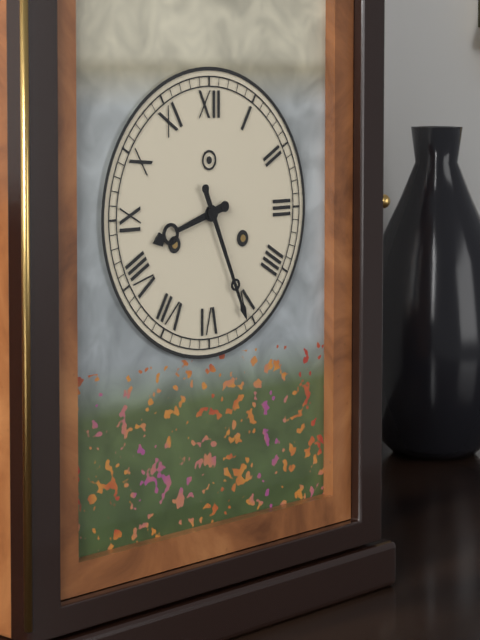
8:26
